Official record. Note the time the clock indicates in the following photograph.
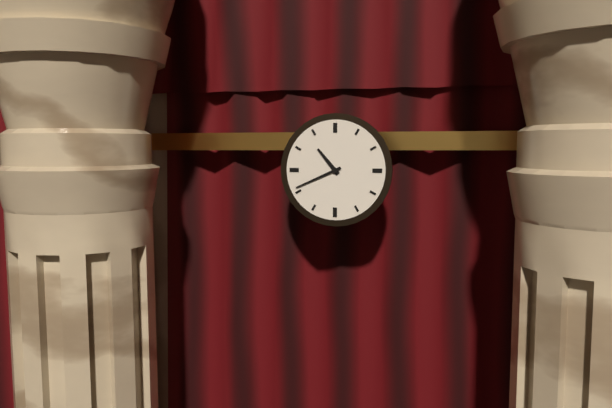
10:41
